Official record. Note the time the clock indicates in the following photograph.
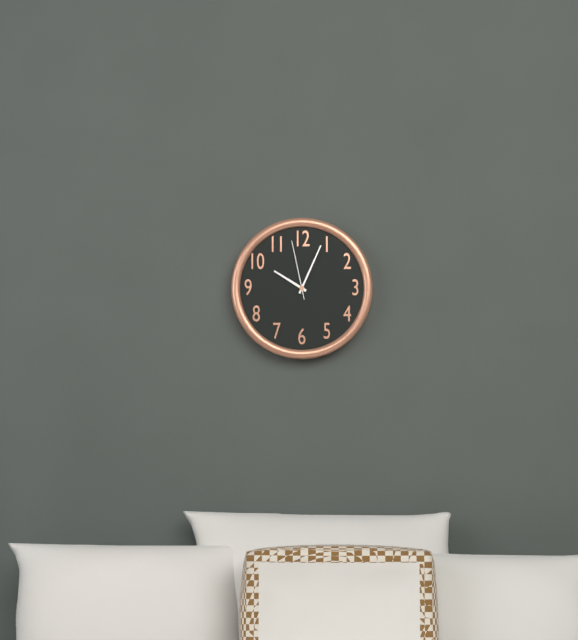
10:04:58
